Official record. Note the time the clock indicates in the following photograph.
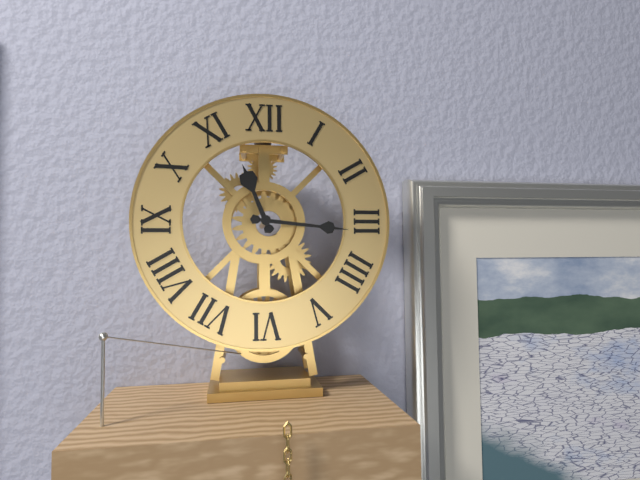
11:16
